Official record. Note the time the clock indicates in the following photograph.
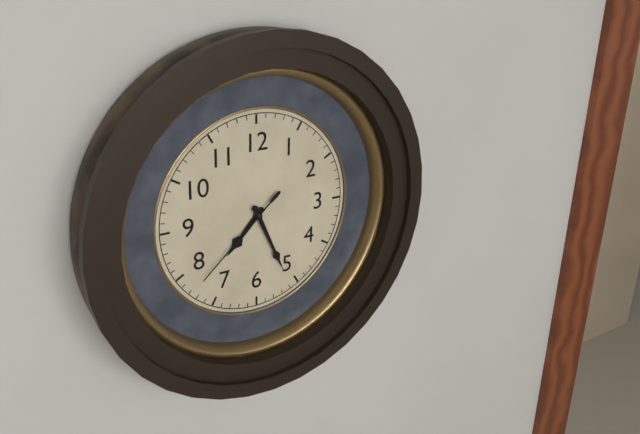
7:26:38
